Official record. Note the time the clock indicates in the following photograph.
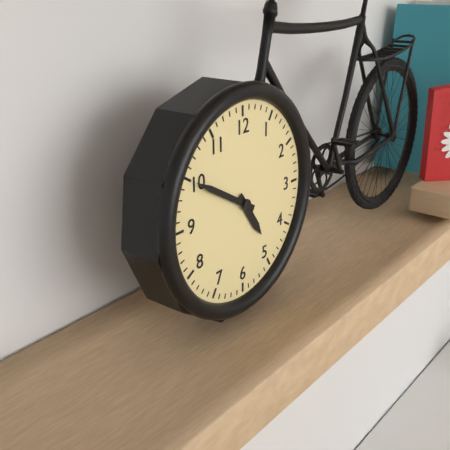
4:50
